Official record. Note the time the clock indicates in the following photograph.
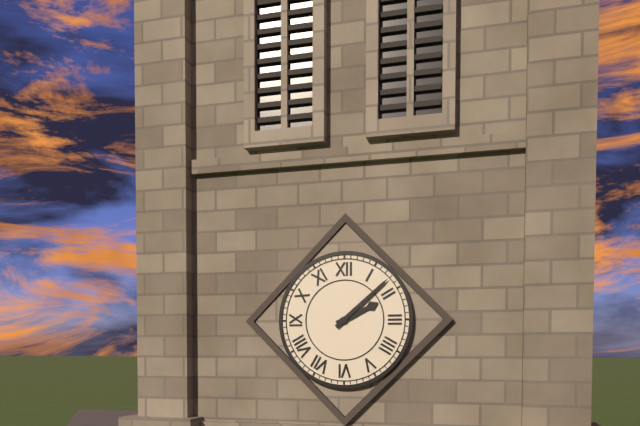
2:08
